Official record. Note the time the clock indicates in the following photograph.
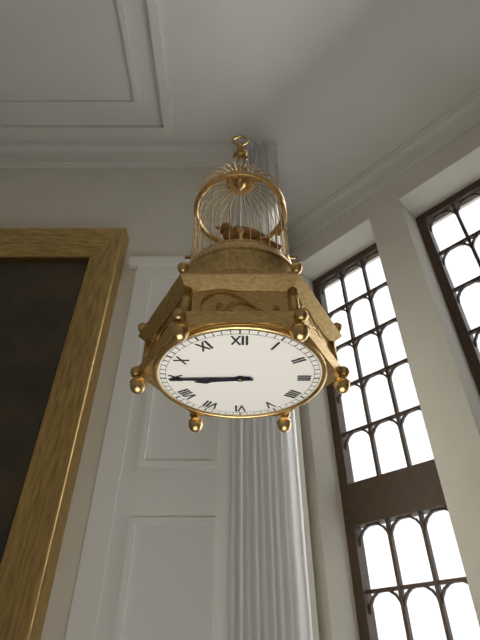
8:45
